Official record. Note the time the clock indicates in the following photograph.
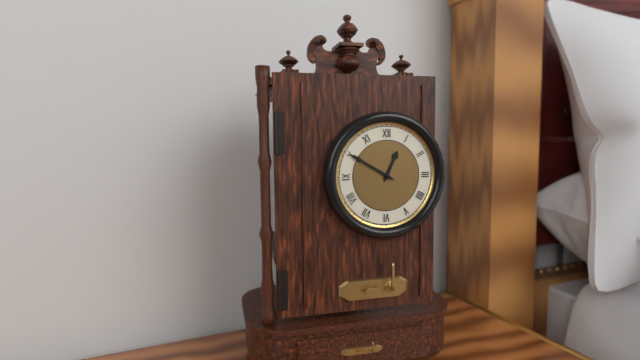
12:50
